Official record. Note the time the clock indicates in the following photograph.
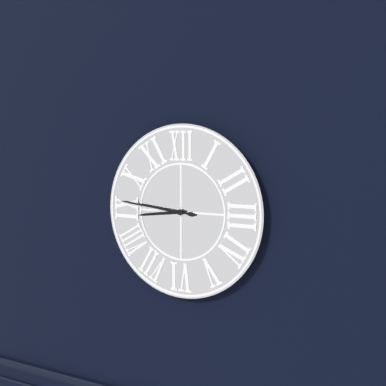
8:46
